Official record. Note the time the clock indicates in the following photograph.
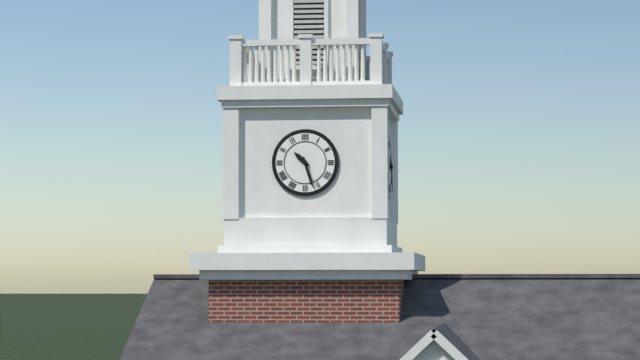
10:27
